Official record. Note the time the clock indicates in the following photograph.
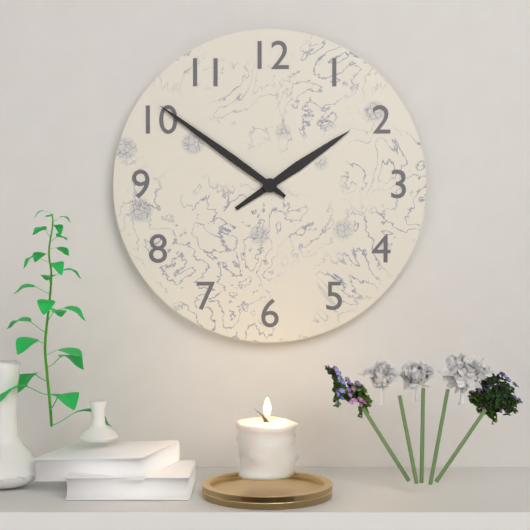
1:51
